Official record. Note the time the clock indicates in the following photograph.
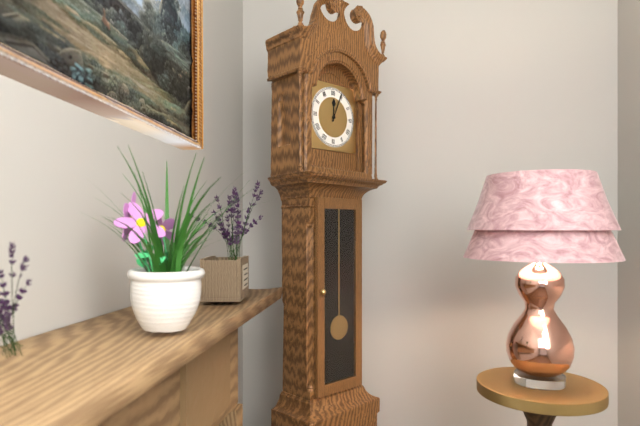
12:04
